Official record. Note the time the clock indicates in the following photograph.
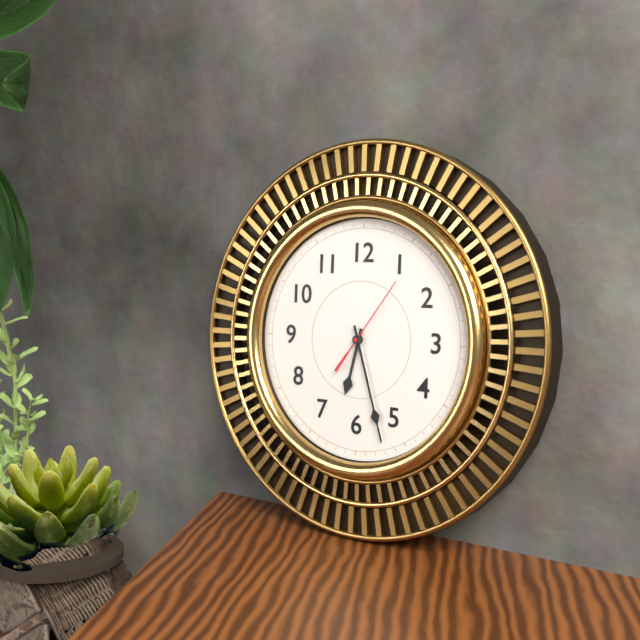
6:27:06
